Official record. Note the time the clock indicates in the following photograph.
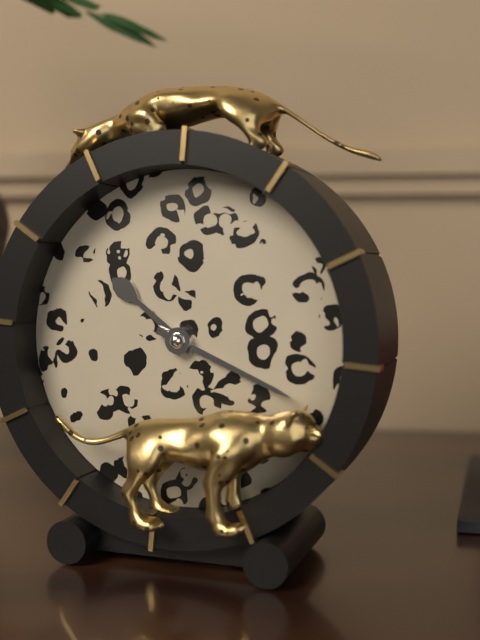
10:19
